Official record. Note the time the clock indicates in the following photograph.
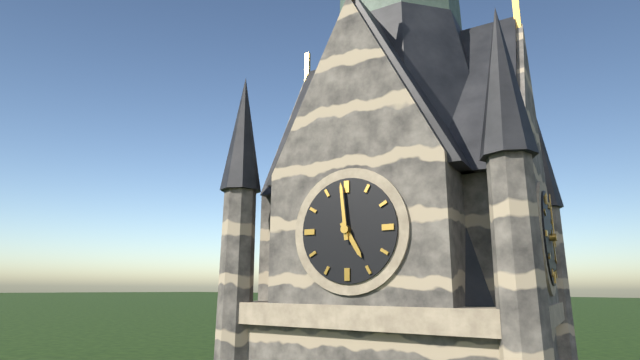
4:59
